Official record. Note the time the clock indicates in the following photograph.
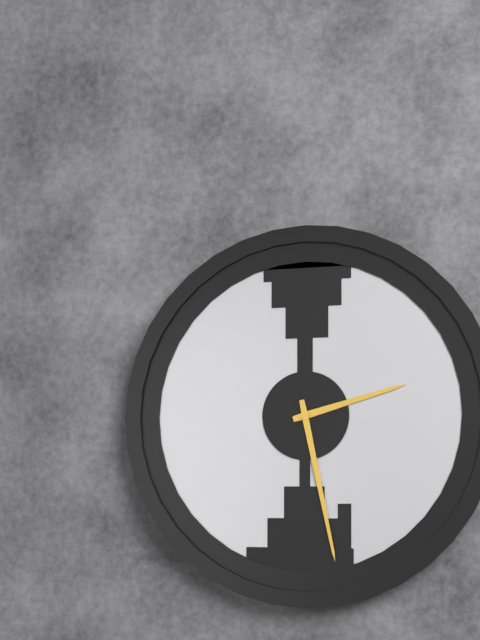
2:28
